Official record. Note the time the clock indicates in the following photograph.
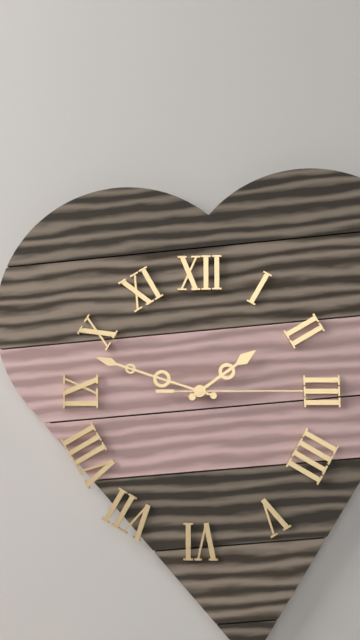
1:48:15
